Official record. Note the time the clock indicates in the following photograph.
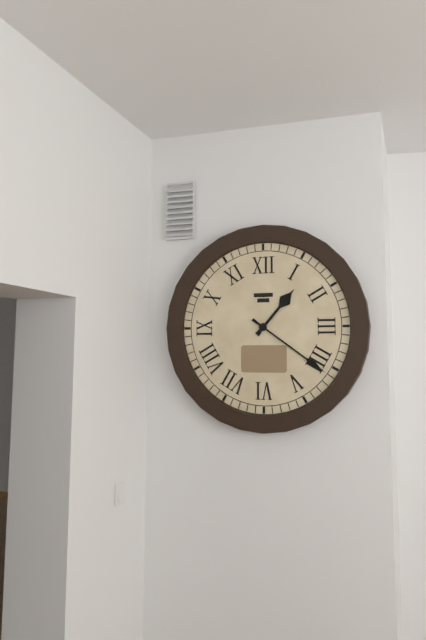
1:21
